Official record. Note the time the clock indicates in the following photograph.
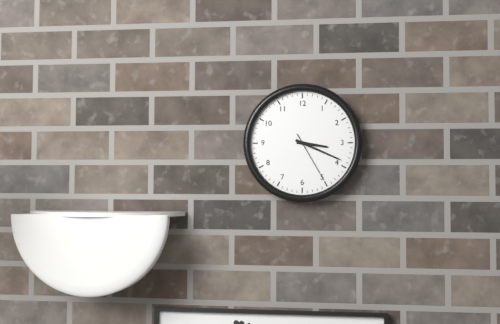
3:19:25
